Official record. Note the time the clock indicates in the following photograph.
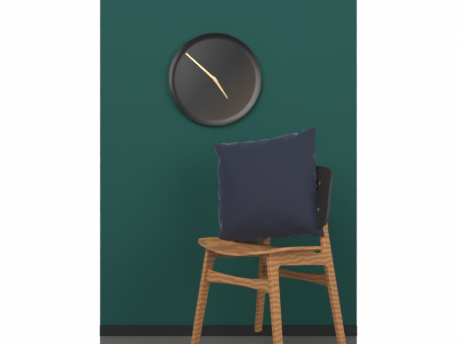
4:52
